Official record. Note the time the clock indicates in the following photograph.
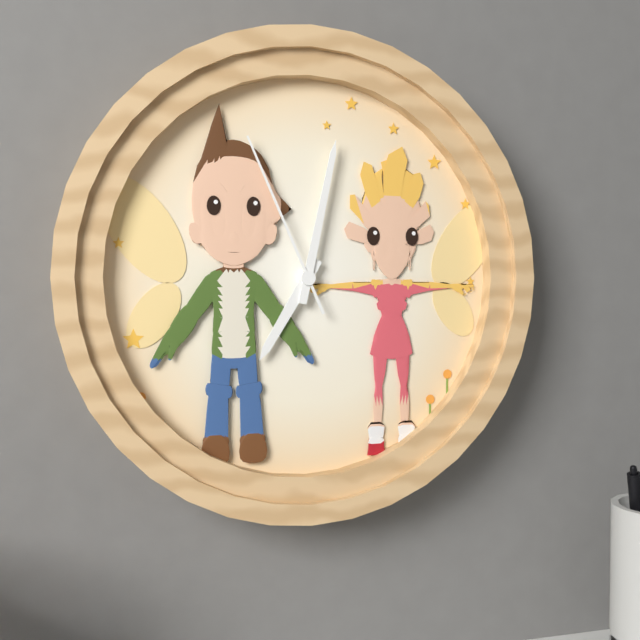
7:02:56
